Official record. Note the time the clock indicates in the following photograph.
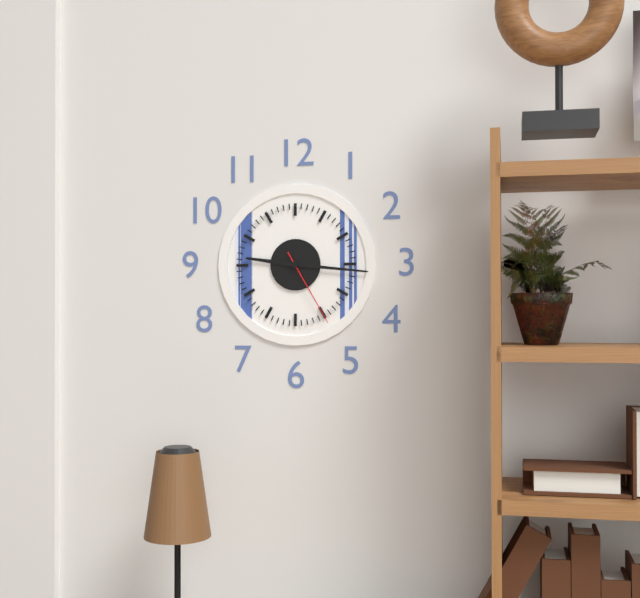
9:16:25
